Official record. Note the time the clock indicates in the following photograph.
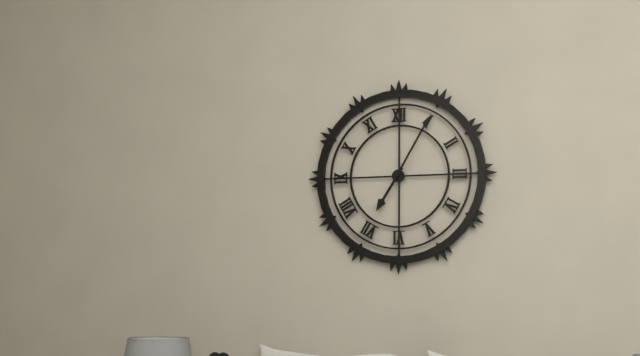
7:05
